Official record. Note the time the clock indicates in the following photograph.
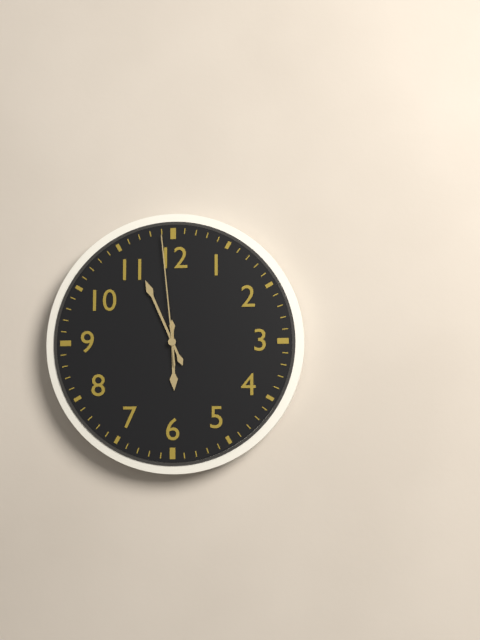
5:56:59
